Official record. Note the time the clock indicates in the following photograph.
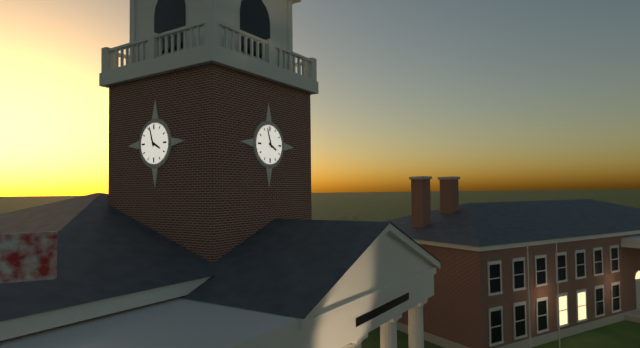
3:57
